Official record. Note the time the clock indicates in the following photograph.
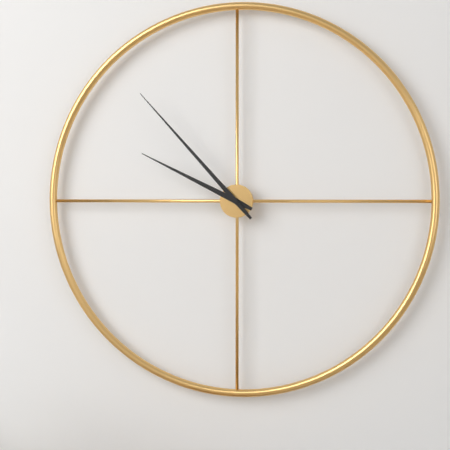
9:53
